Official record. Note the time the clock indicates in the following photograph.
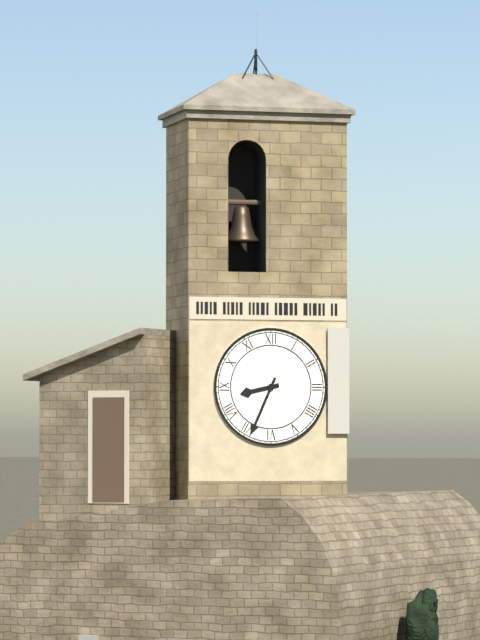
8:34
